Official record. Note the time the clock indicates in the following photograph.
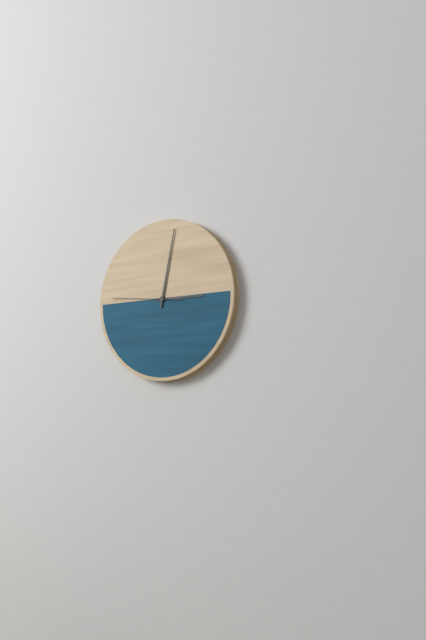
3:02:46
